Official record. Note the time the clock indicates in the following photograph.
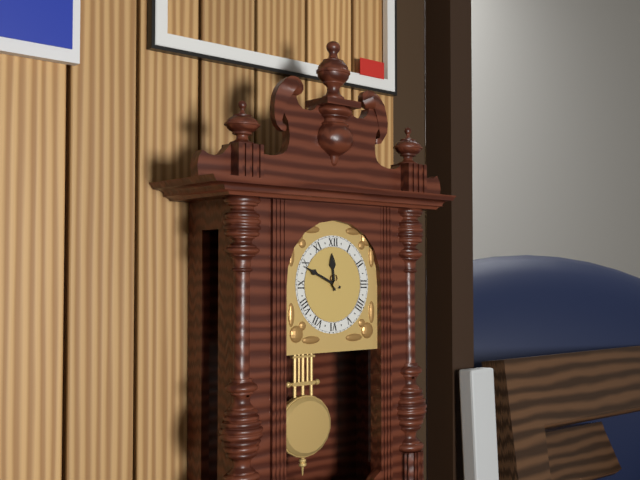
11:49
